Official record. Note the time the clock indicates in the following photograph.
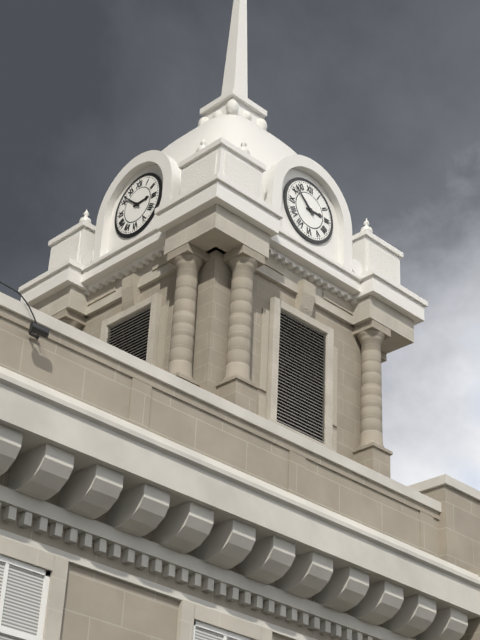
2:52
